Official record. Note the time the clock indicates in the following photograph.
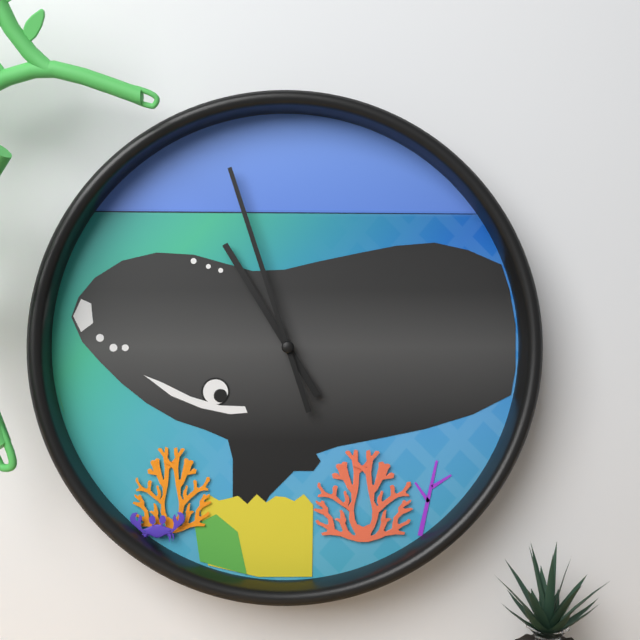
10:57
